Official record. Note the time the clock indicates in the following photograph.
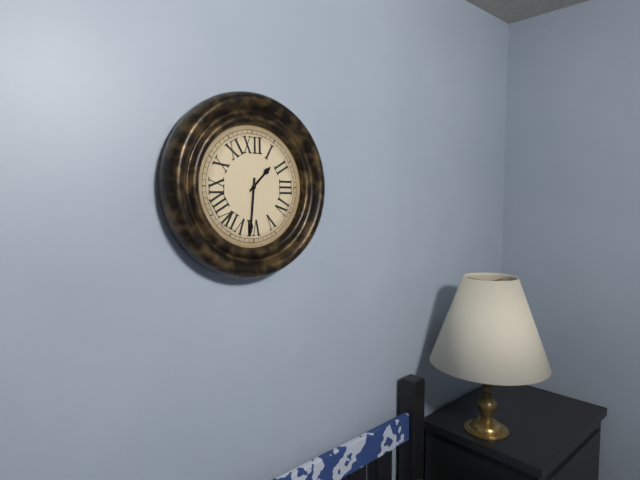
1:31
